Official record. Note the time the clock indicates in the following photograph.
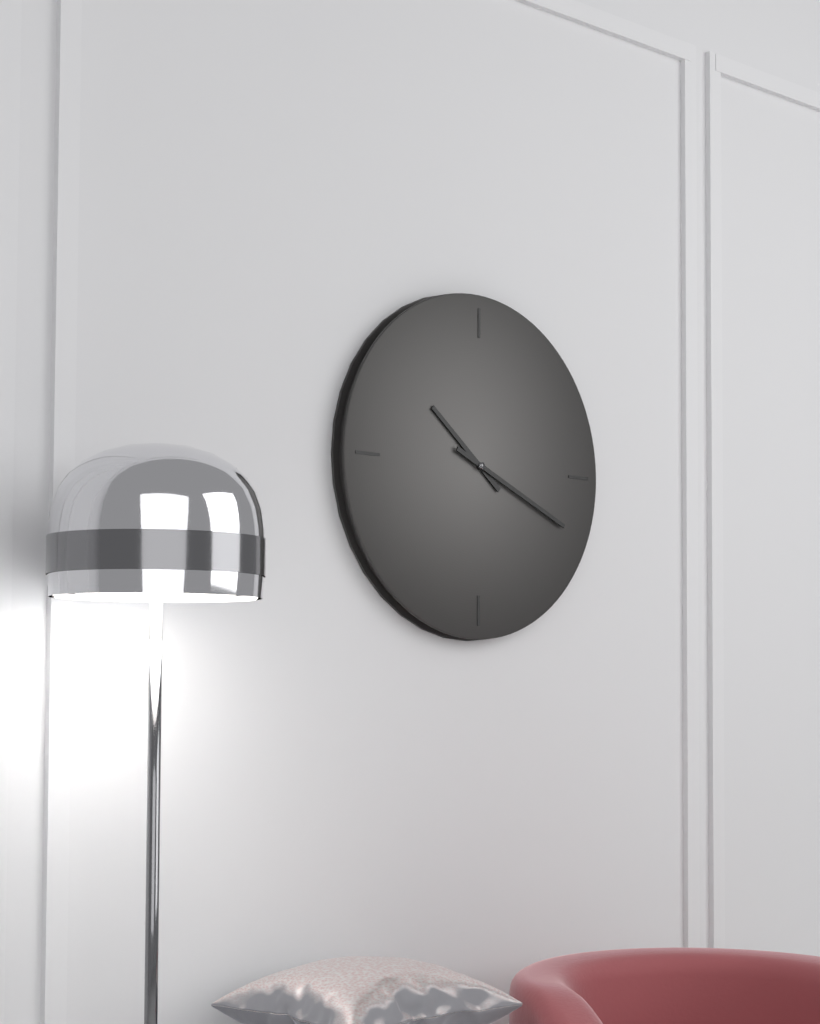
10:19
